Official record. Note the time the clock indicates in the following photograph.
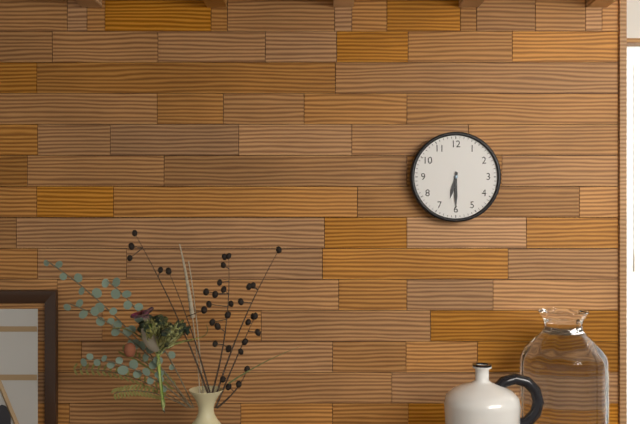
6:30
